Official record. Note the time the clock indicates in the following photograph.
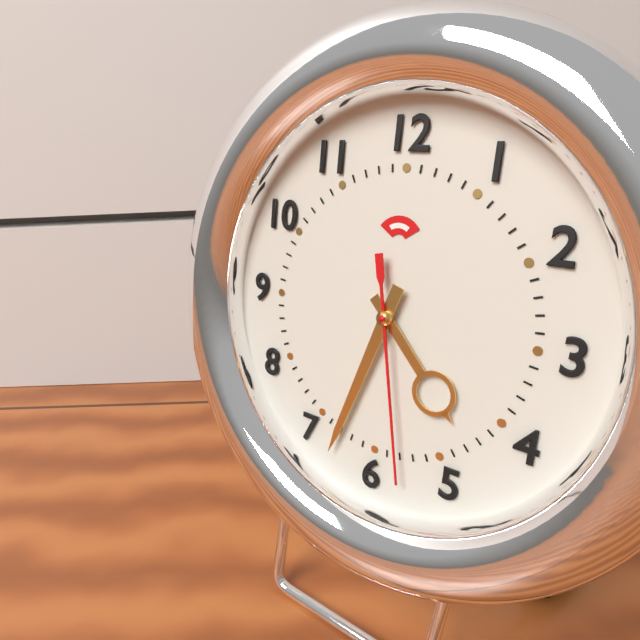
4:33:28
